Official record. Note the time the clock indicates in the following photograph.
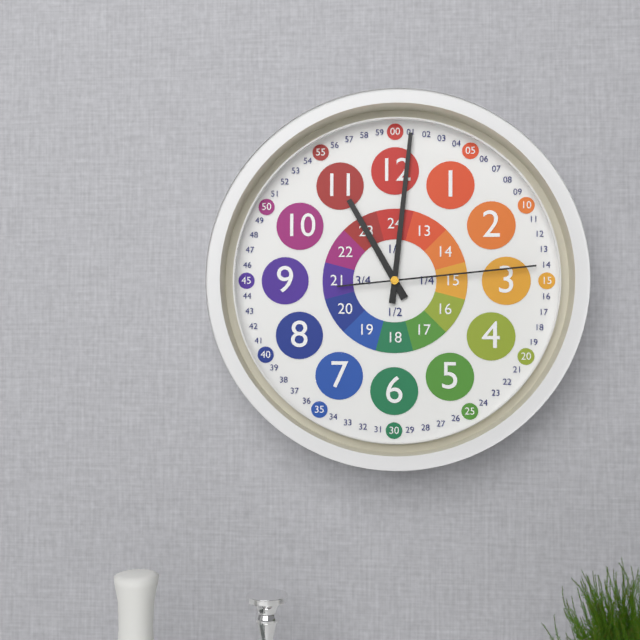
11:01:14
